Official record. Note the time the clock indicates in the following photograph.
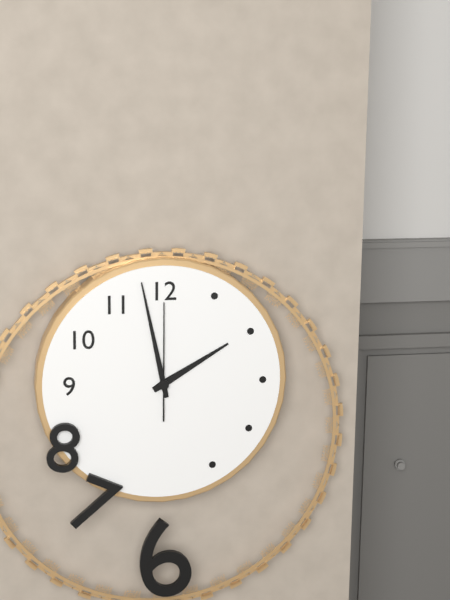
1:58:00
